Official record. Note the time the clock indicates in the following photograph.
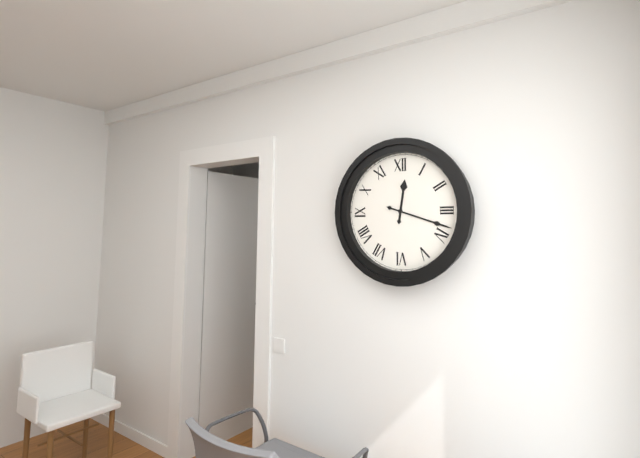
12:18
